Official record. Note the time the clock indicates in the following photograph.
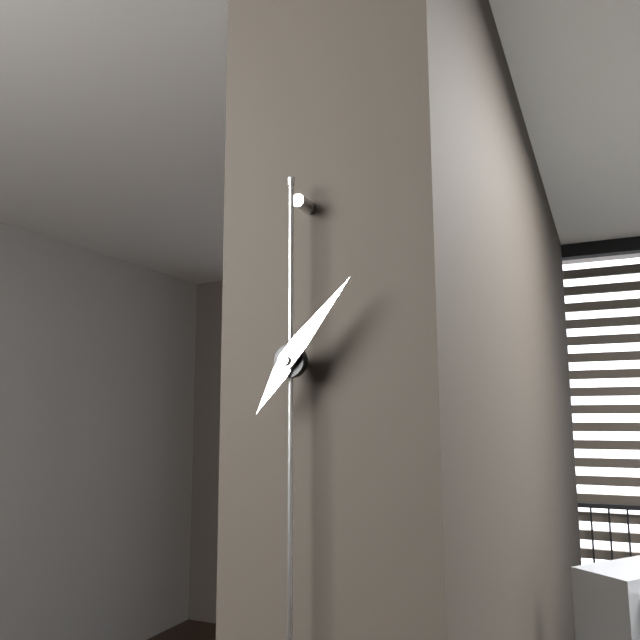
7:07
